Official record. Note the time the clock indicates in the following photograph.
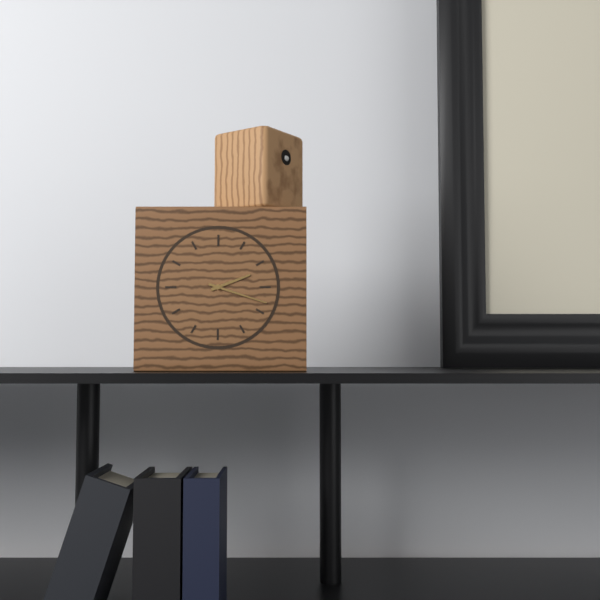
2:18
